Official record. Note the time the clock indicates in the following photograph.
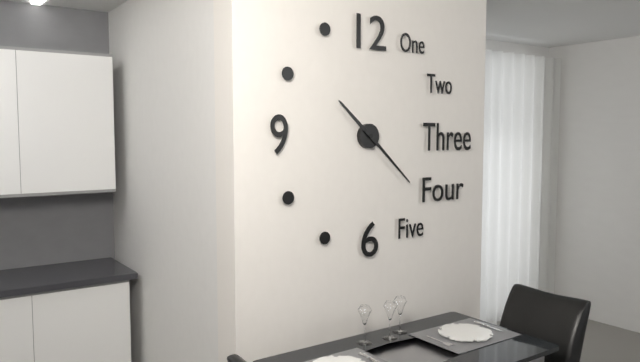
10:22
